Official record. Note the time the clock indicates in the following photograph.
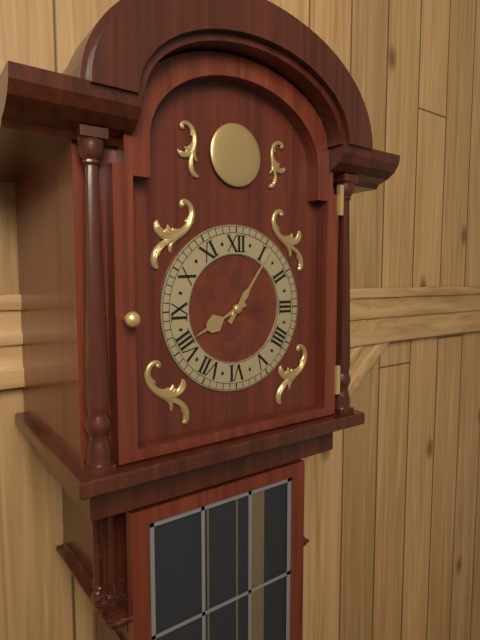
8:06
